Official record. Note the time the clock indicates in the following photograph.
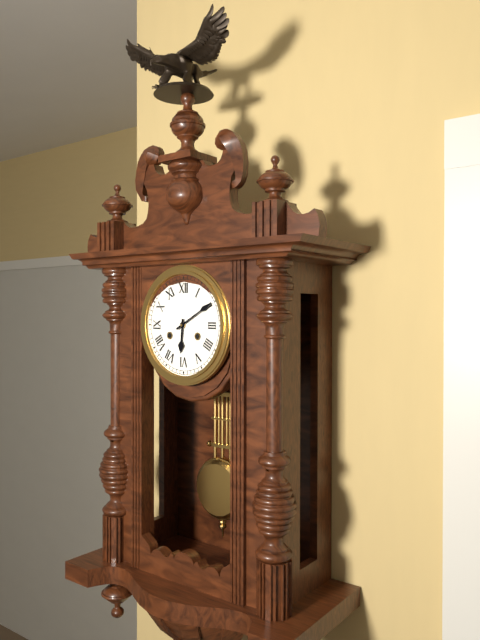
6:10
